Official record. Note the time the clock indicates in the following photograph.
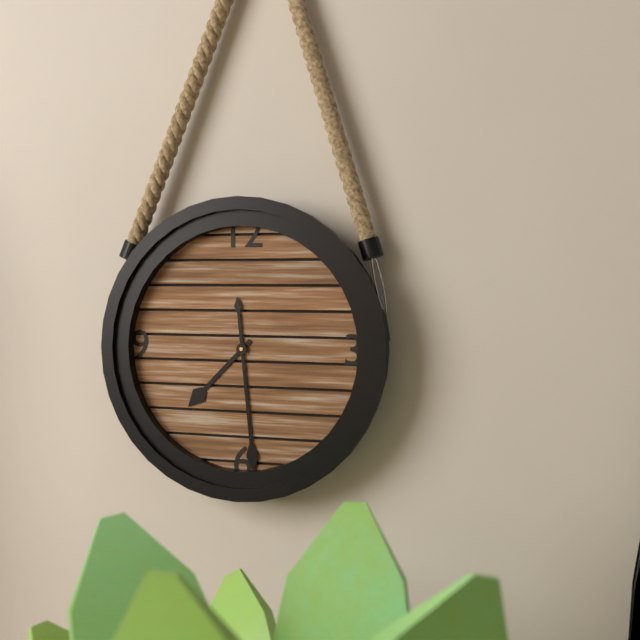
7:29
